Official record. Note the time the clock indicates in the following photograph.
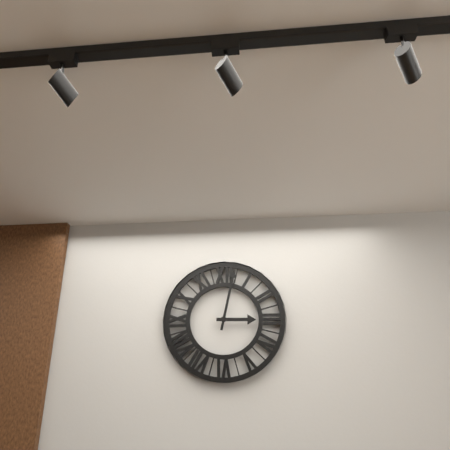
3:02
